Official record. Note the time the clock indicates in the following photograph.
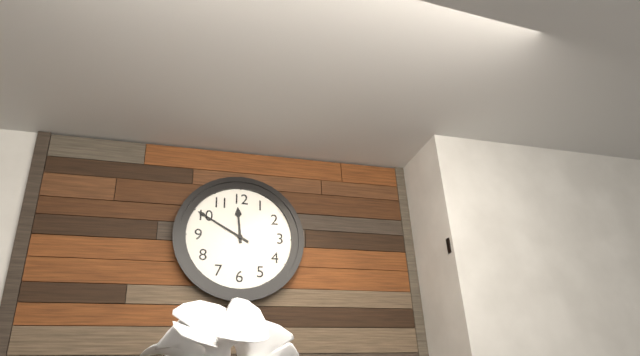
11:50
